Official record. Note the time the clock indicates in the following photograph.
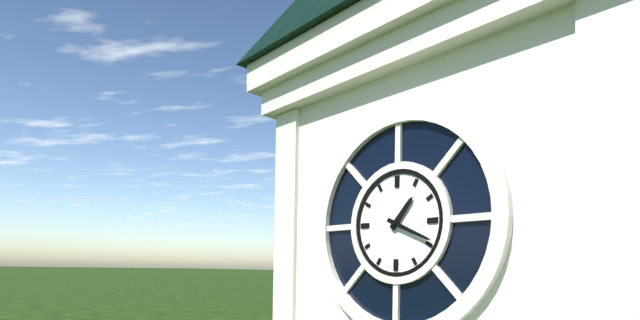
1:19
